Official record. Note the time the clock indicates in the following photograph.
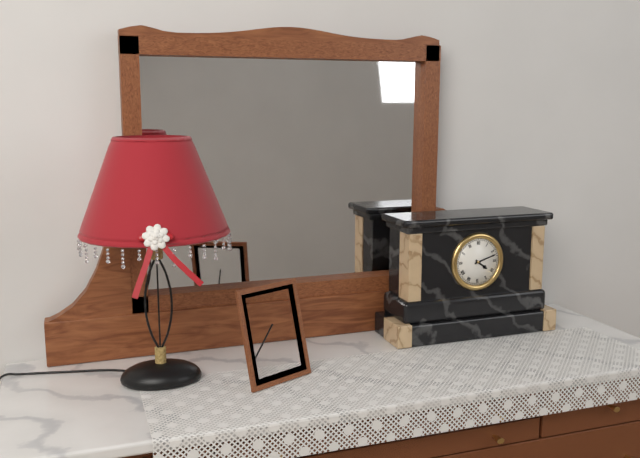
4:12
